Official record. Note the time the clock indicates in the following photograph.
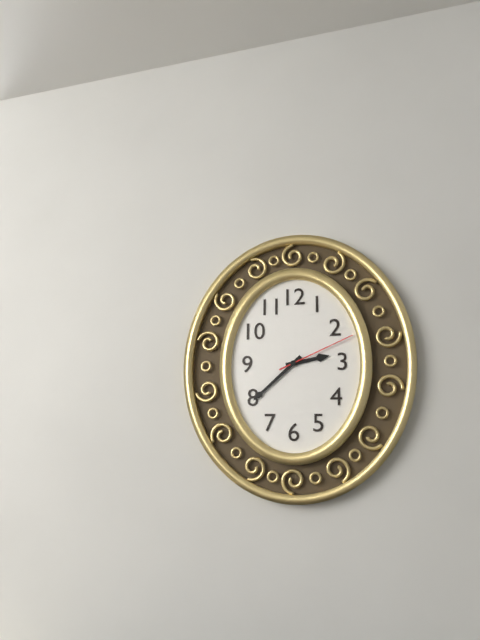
2:38:11
